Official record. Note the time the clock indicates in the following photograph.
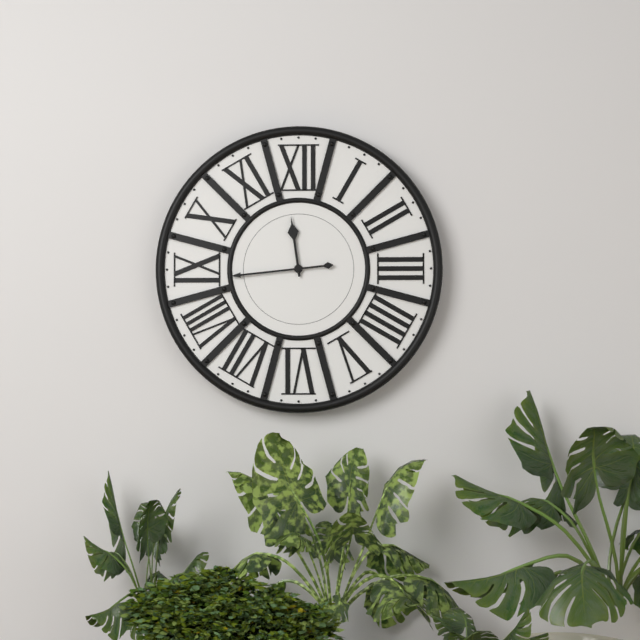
11:44
